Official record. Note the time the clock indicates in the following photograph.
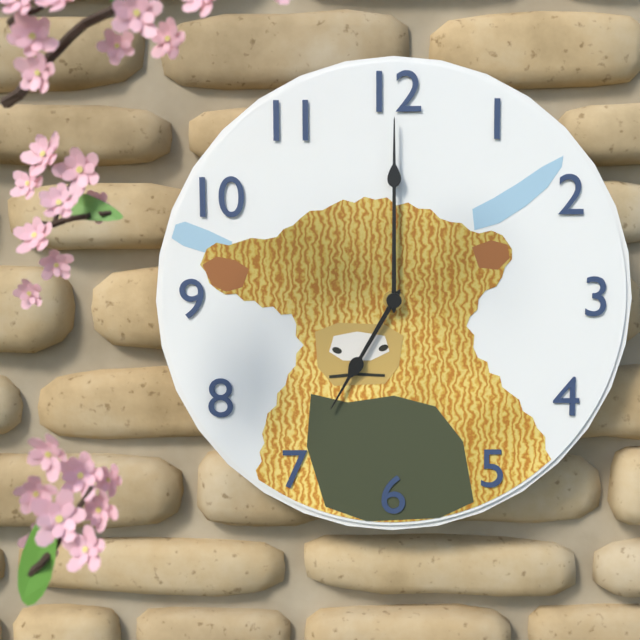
7:00
